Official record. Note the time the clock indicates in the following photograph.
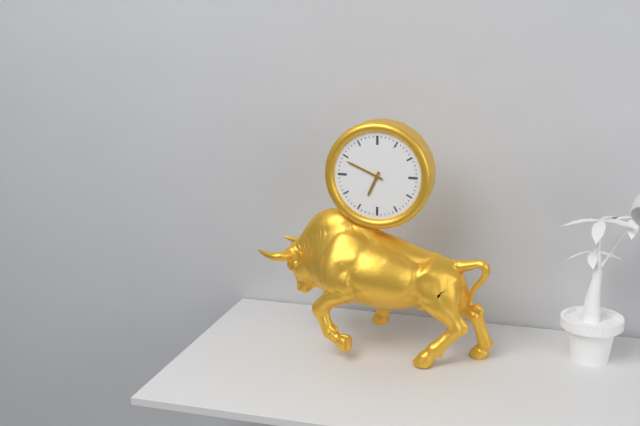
6:49
